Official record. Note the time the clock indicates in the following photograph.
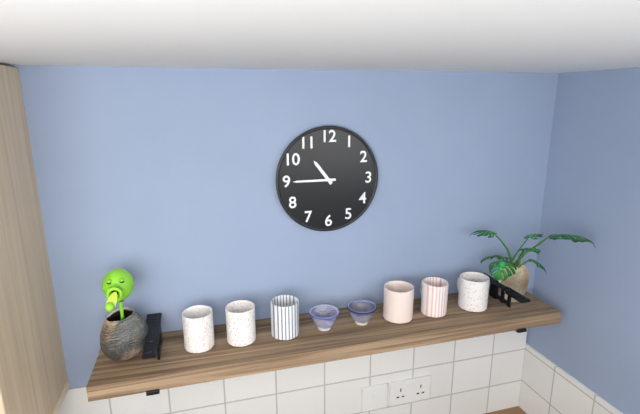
10:45
